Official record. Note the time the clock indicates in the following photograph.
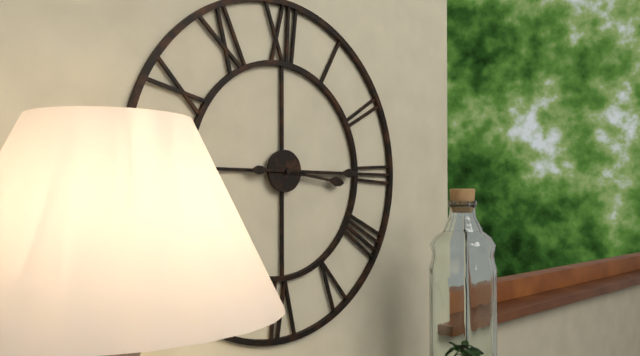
3:15
